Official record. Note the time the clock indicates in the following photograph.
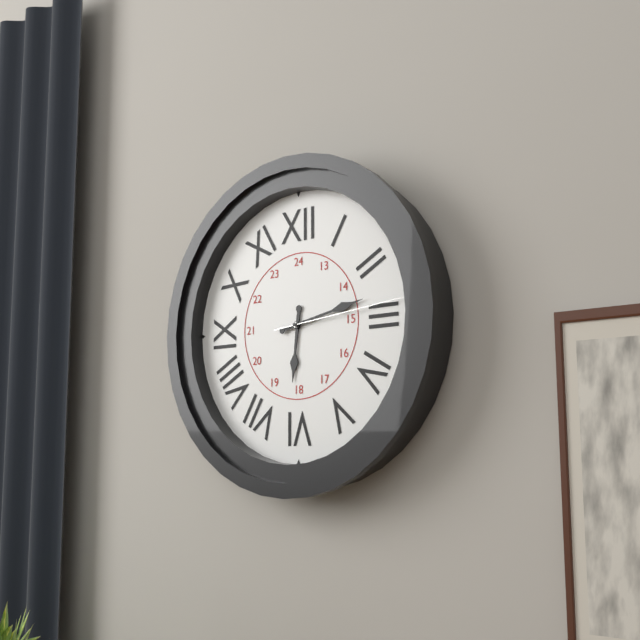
6:13:14
